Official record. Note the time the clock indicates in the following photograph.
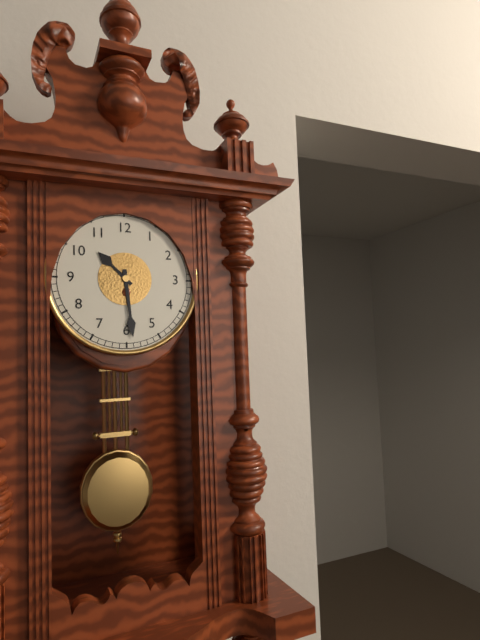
10:29
